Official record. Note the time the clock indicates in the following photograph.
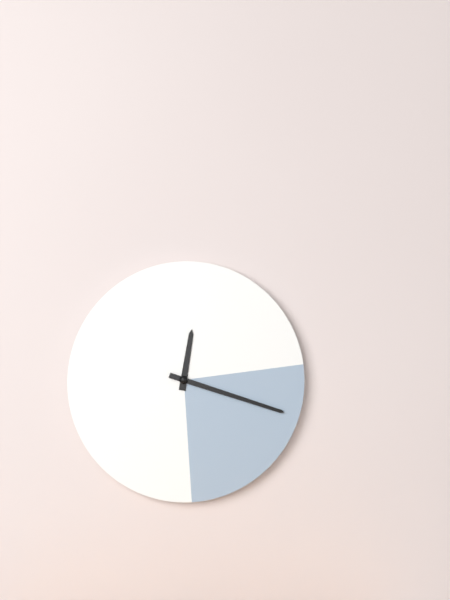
12:18
